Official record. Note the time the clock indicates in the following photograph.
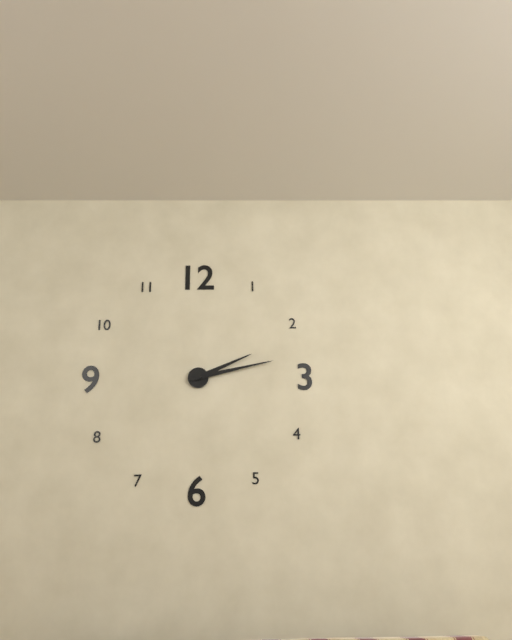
2:13
